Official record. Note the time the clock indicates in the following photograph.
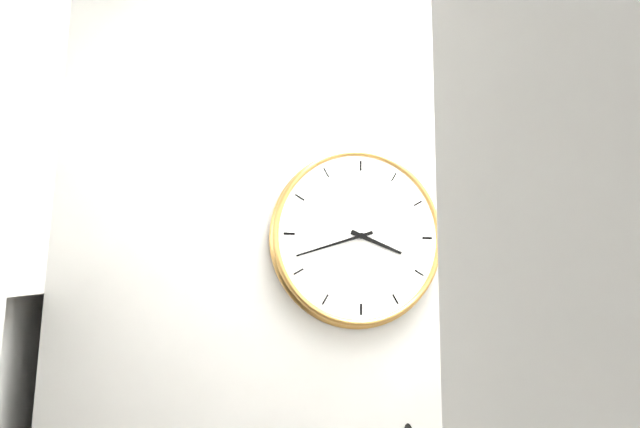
3:42
